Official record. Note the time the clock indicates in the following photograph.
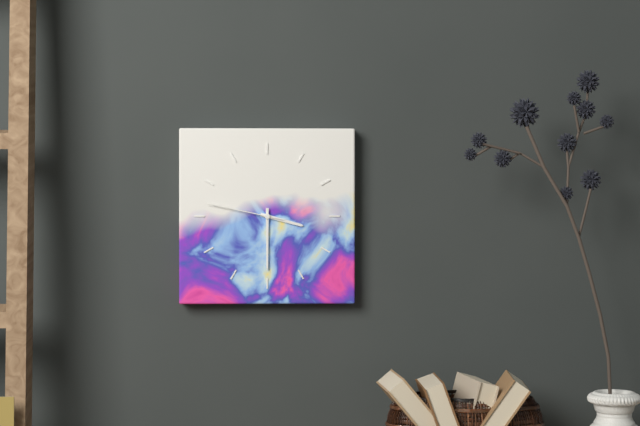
3:30:47
